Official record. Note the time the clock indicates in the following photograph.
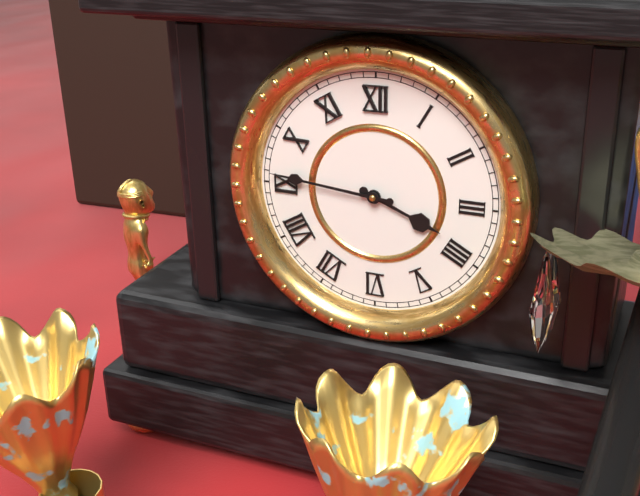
3:46
